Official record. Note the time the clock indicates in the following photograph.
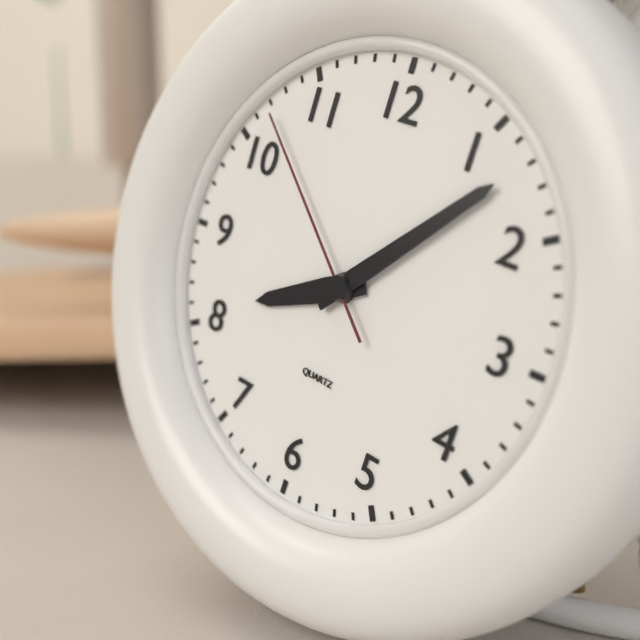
8:07:52
